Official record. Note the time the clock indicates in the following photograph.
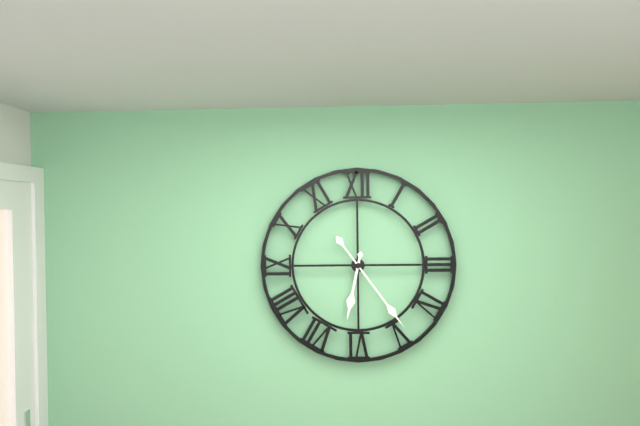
6:24
